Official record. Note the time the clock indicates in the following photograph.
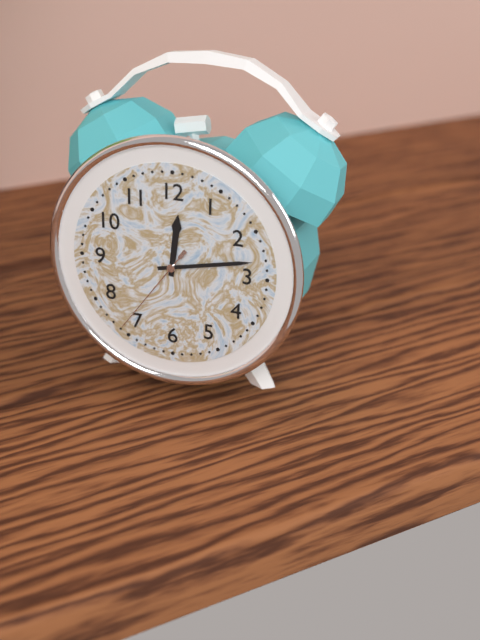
12:13:36
